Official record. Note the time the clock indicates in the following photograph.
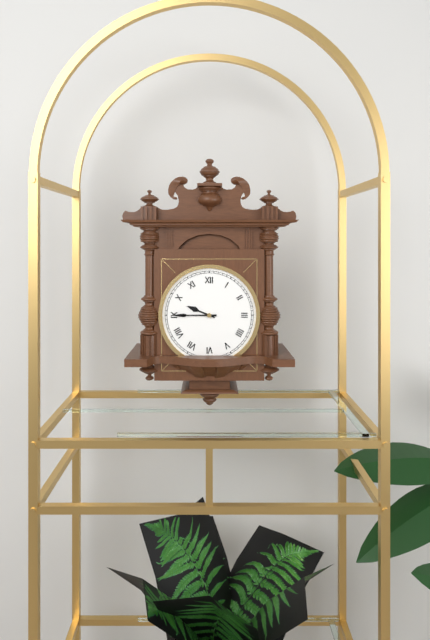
9:45
